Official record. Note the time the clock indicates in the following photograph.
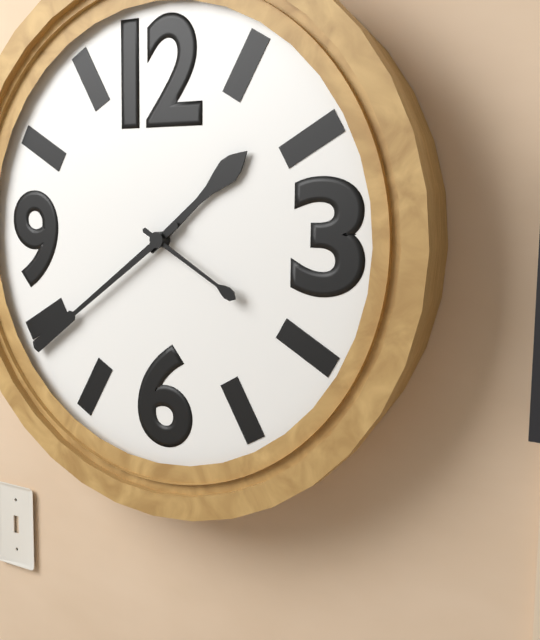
1:39:20
